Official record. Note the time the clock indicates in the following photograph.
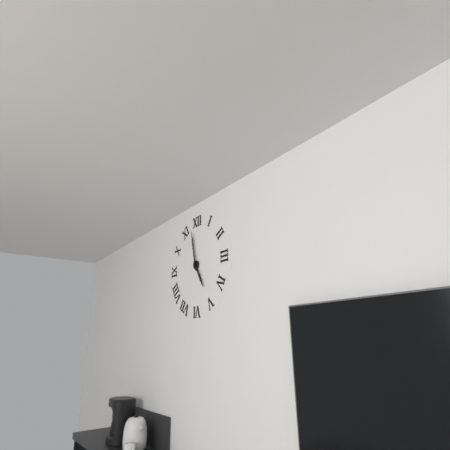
4:58
